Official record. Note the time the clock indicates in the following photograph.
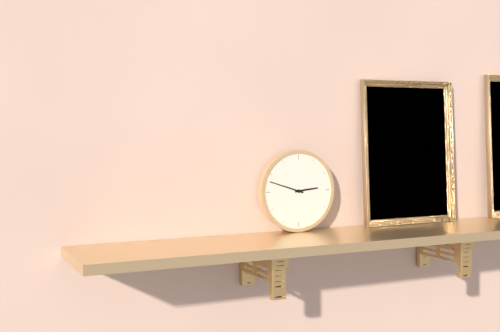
2:48
